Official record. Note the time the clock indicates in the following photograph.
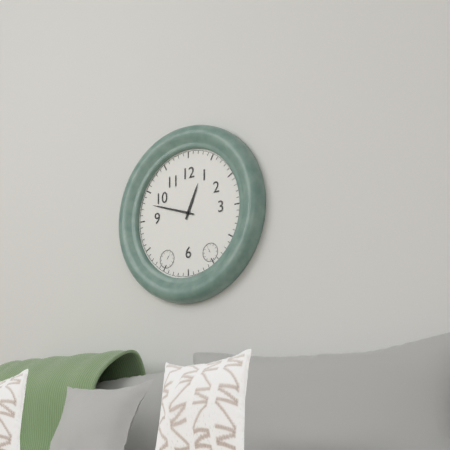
12:48
